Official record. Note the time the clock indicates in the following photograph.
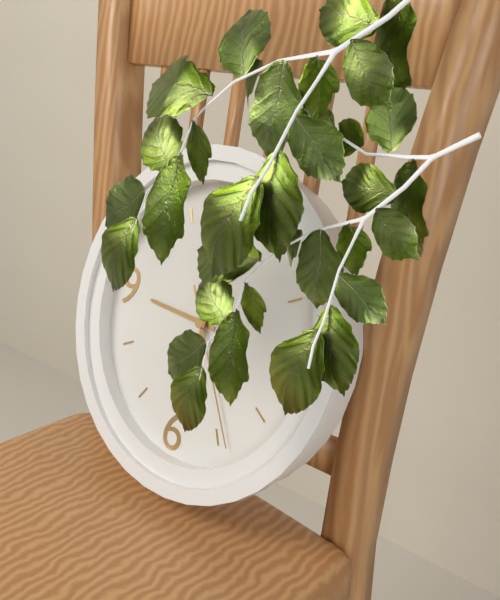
8:58:24
